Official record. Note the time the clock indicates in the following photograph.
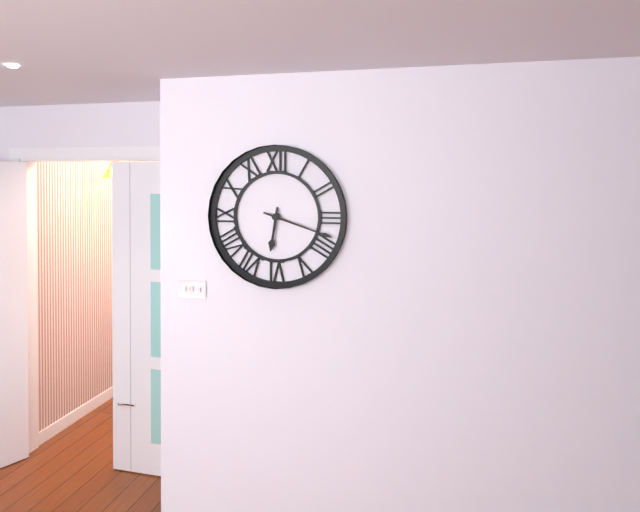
6:18
